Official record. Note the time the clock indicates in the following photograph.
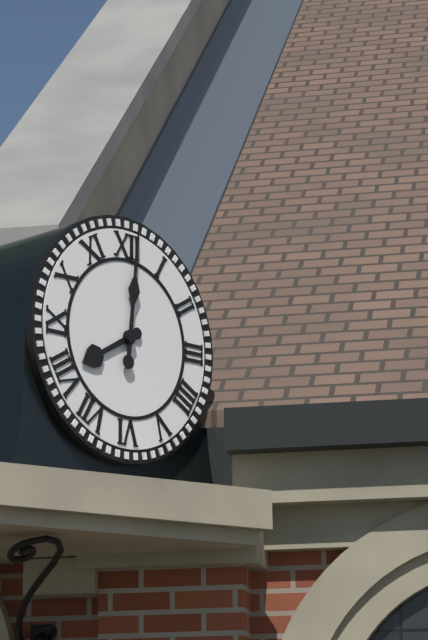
8:01
